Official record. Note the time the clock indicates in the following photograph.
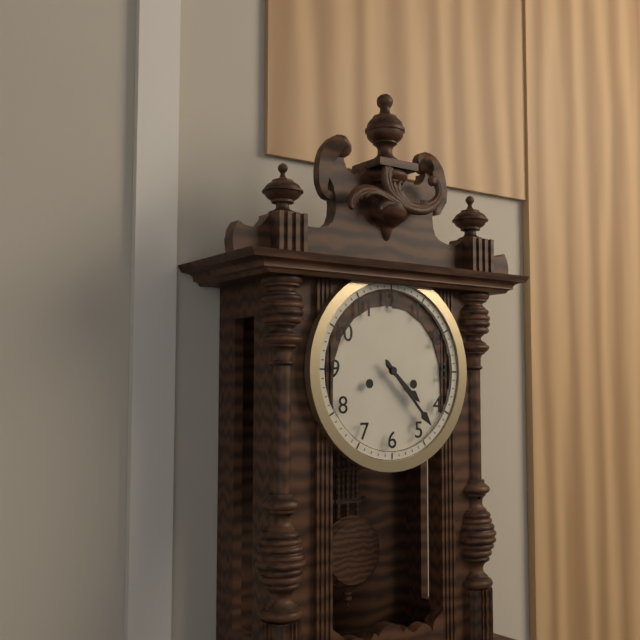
4:23
